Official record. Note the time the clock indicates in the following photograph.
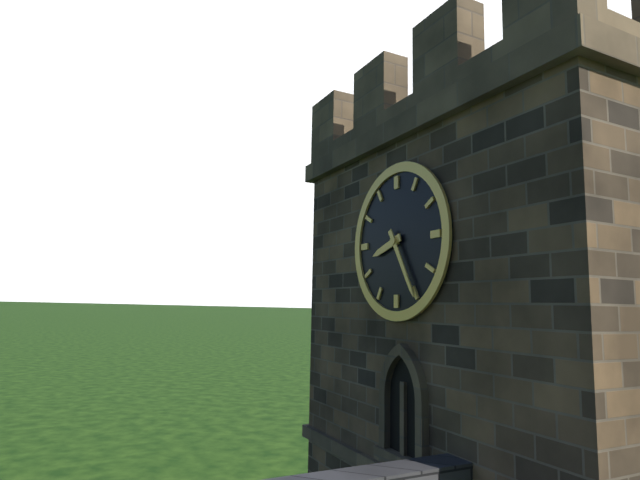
8:25
